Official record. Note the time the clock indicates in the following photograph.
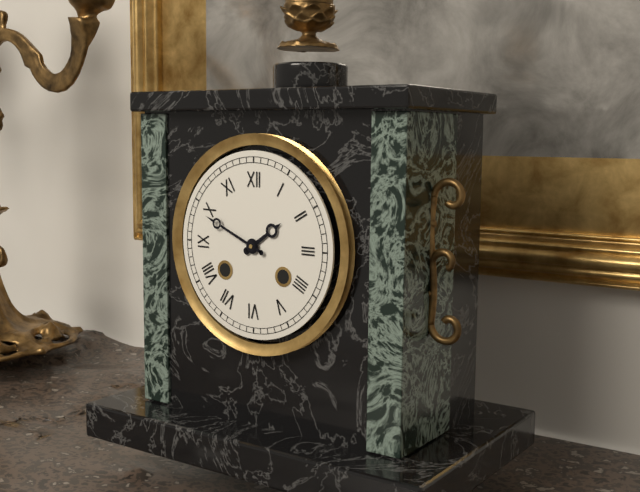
1:49
